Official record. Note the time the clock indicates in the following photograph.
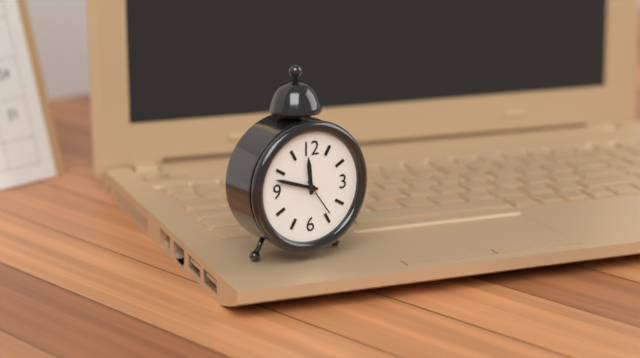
11:48:24
